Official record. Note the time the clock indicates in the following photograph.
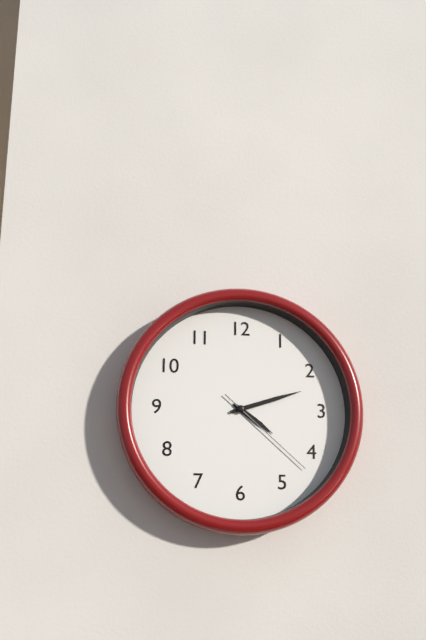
4:12:22
